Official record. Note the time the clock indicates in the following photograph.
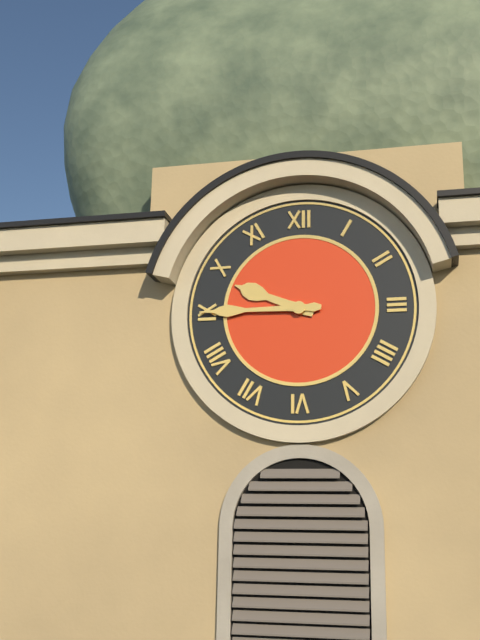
9:45
